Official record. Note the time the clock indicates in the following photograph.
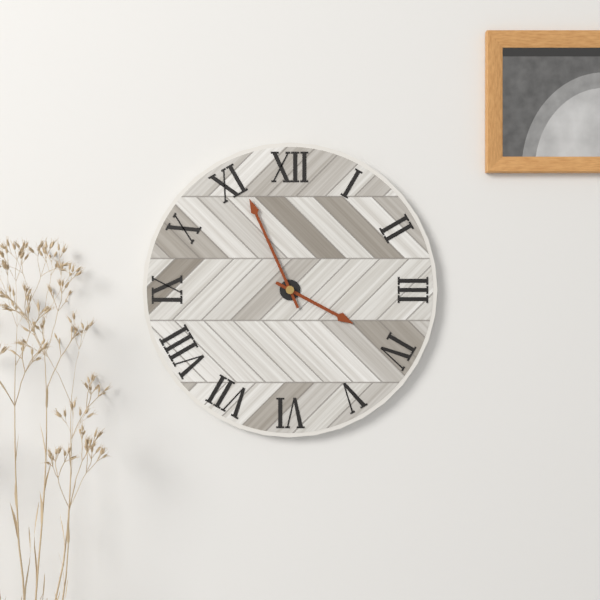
3:56
